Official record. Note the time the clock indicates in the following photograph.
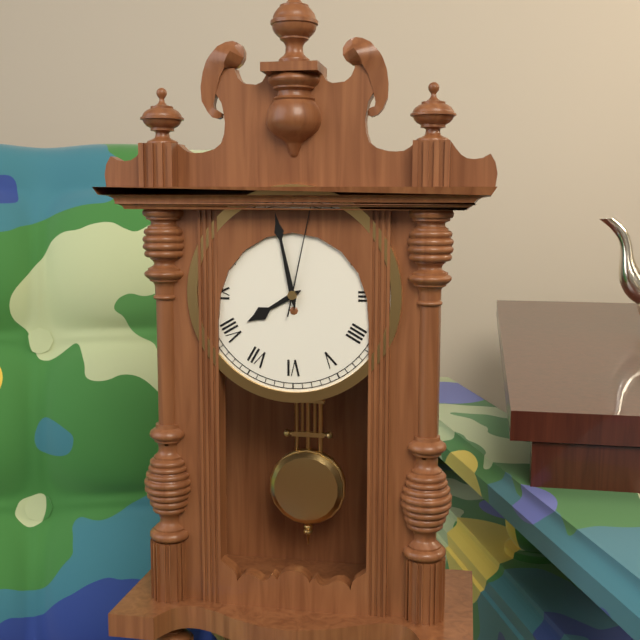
7:58:02
